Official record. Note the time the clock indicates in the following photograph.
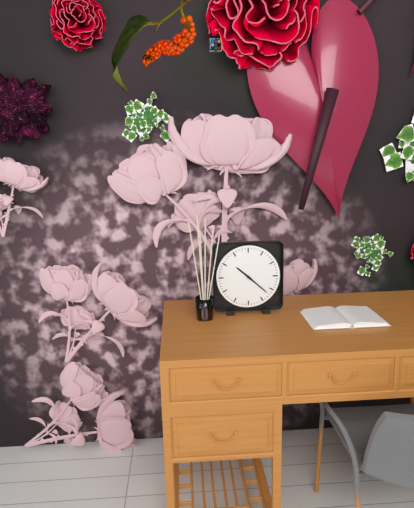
10:22
